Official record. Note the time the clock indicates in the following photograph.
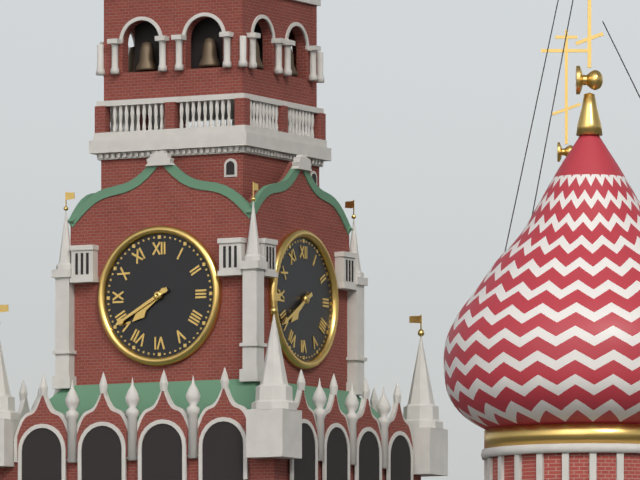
7:40
